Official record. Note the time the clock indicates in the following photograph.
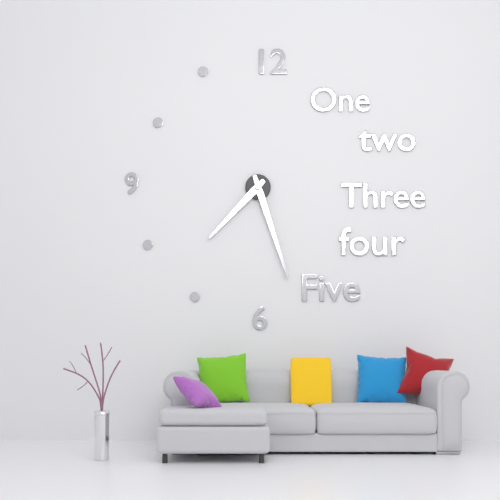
7:27
